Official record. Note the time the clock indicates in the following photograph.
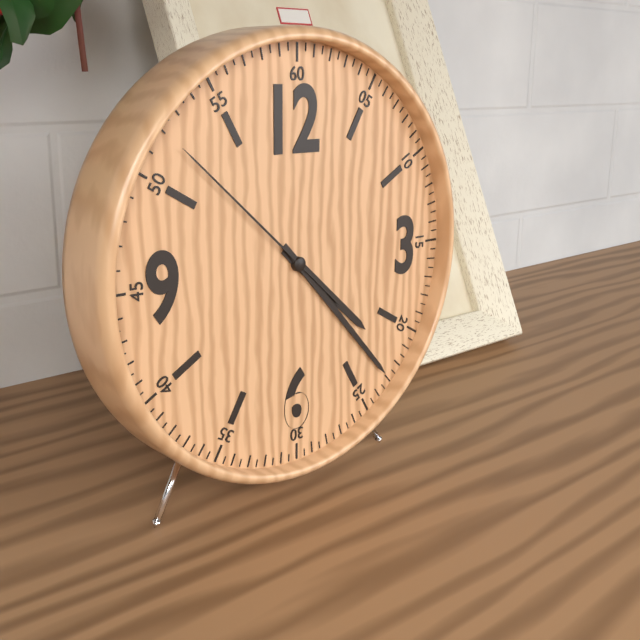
4:23:52
